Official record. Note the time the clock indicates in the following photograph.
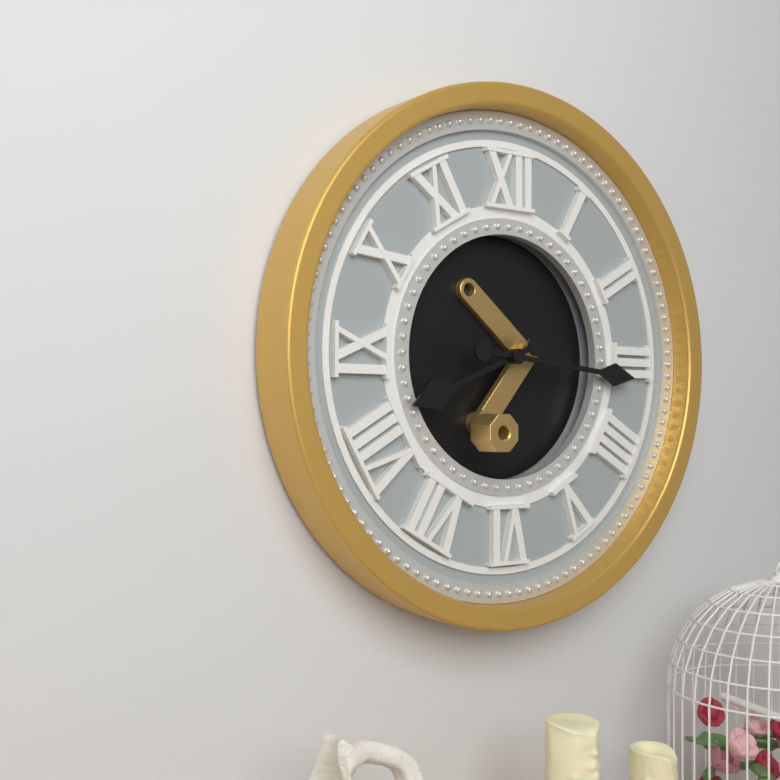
8:16
